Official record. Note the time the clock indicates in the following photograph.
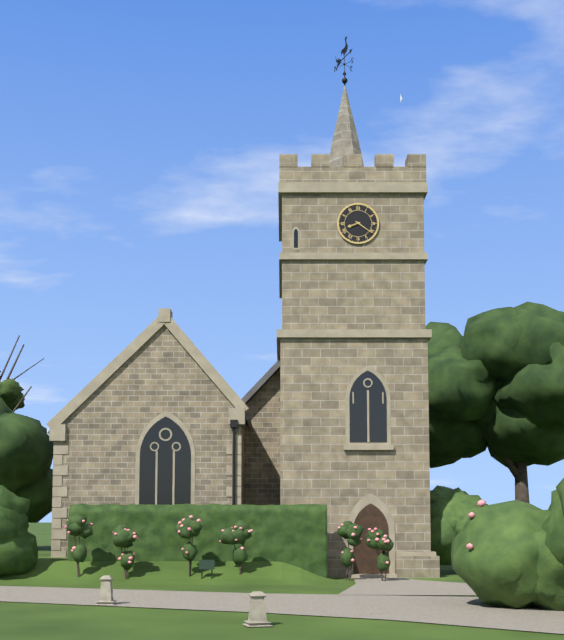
8:21
